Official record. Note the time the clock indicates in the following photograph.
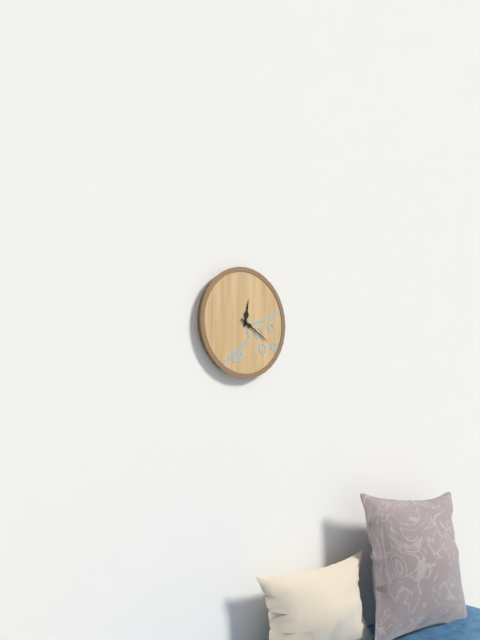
12:20
